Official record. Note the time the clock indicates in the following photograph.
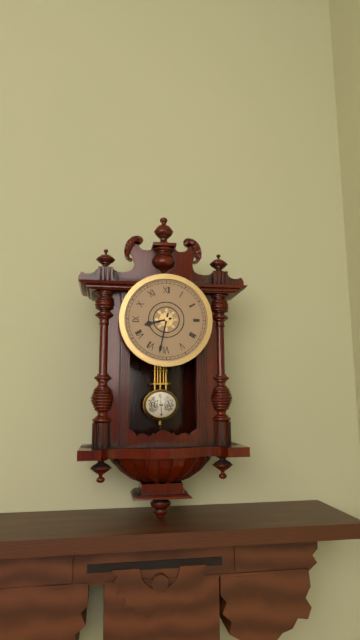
8:32
